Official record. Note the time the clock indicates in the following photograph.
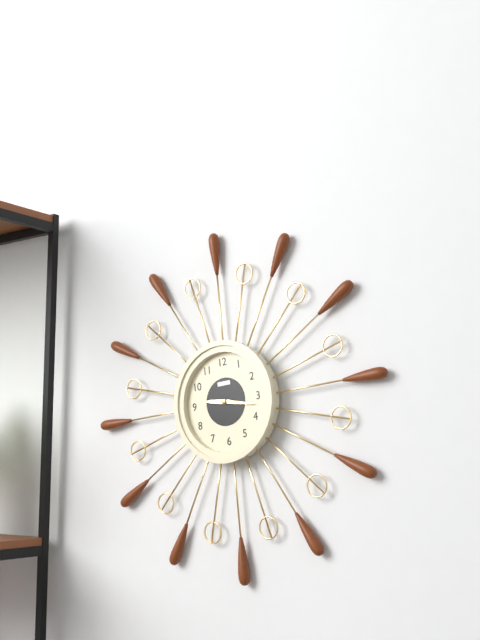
9:17
